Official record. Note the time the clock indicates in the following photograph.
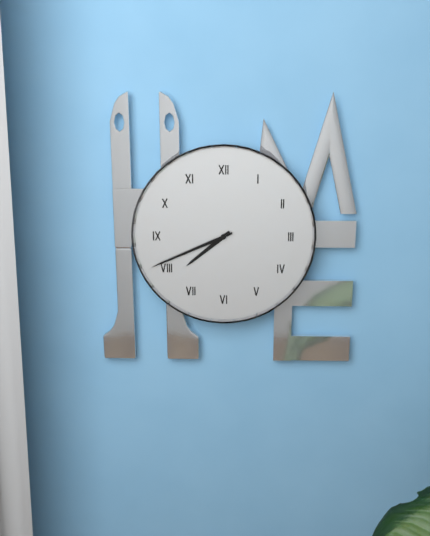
7:41
